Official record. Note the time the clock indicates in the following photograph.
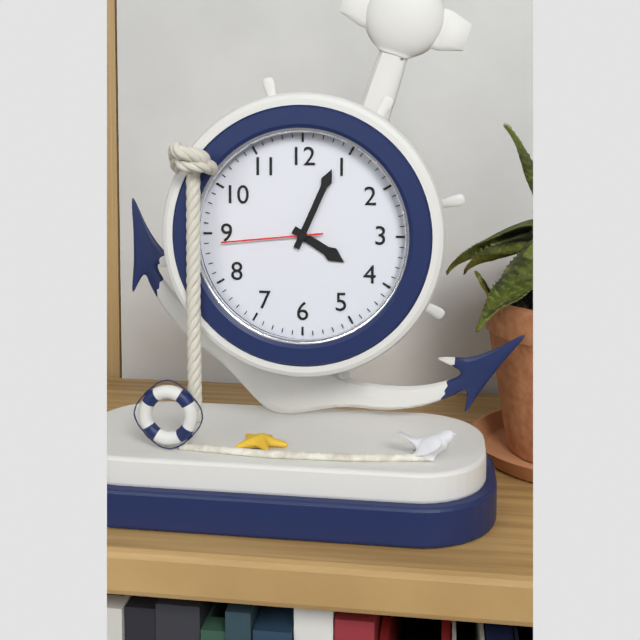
4:04:44
